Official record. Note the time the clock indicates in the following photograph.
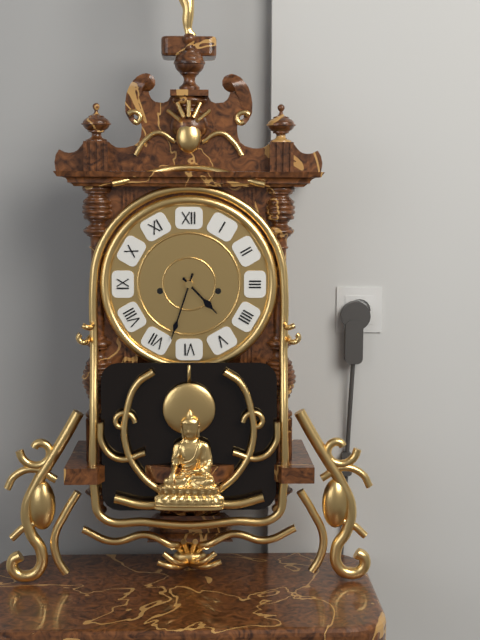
4:33
